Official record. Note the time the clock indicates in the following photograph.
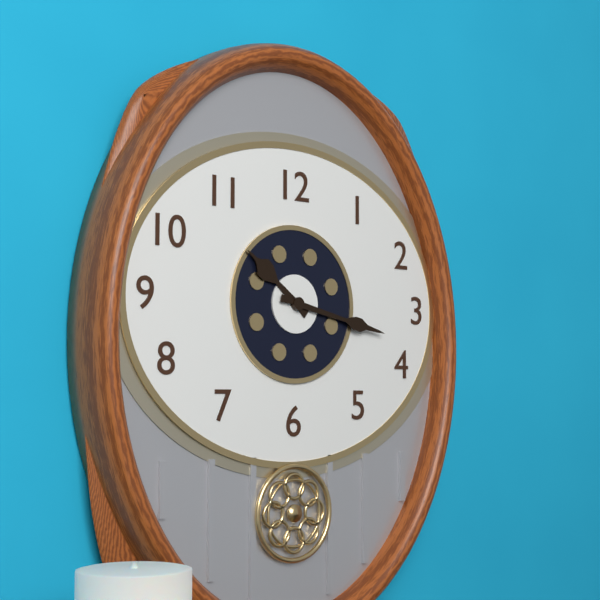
10:17
